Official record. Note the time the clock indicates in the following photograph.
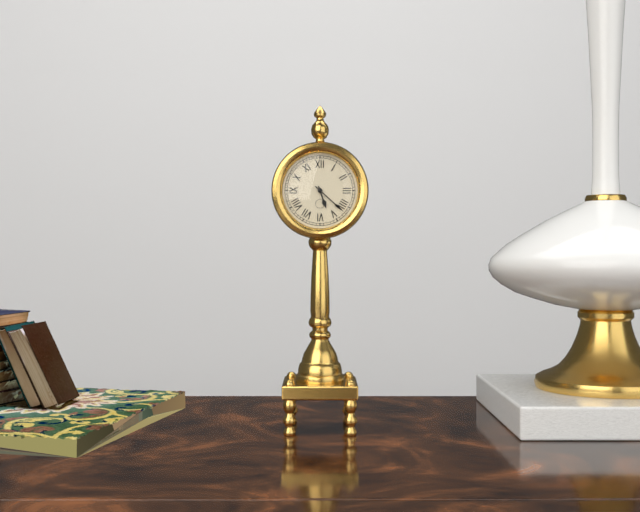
5:22
